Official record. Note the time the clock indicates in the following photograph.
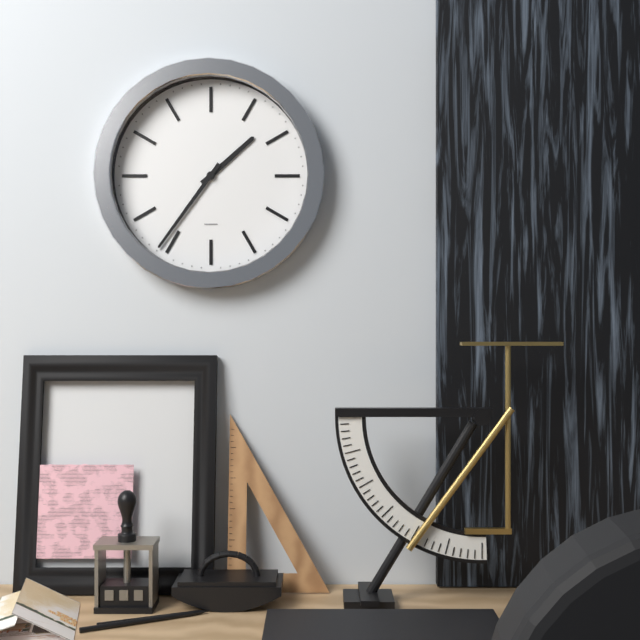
1:36
